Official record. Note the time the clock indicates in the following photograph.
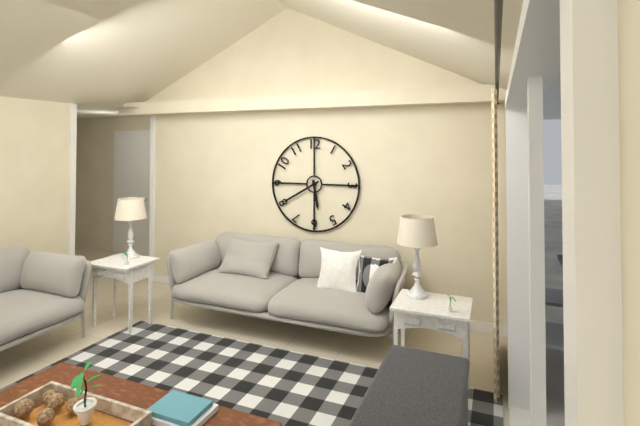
5:40
